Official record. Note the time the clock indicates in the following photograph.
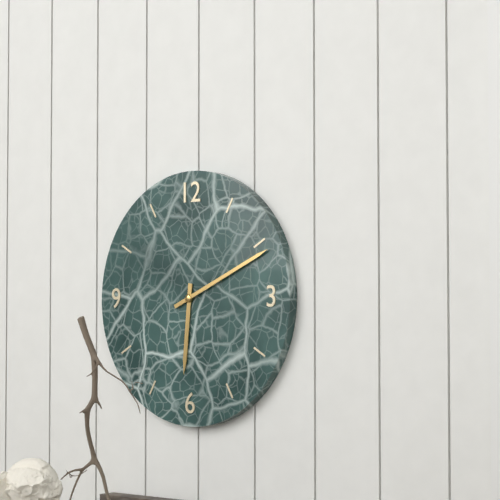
6:11
